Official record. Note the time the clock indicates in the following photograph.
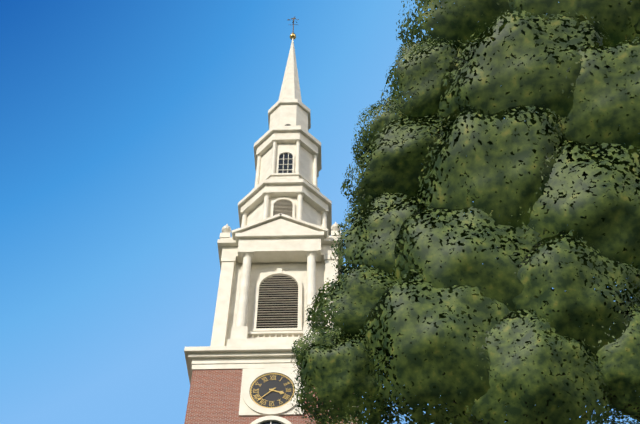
3:38
